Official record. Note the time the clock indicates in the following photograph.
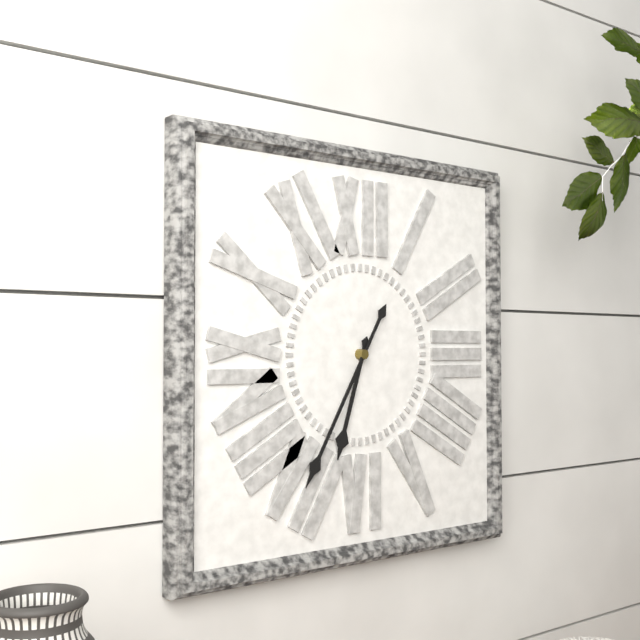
6:35
